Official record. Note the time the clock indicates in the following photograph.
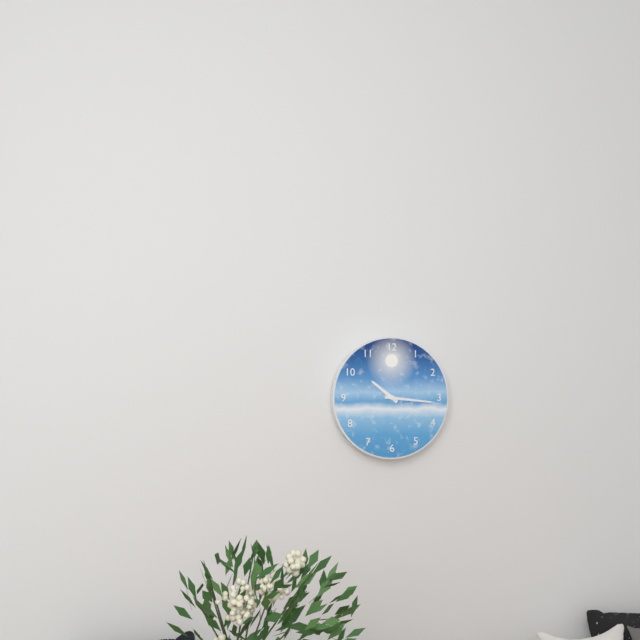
10:16
